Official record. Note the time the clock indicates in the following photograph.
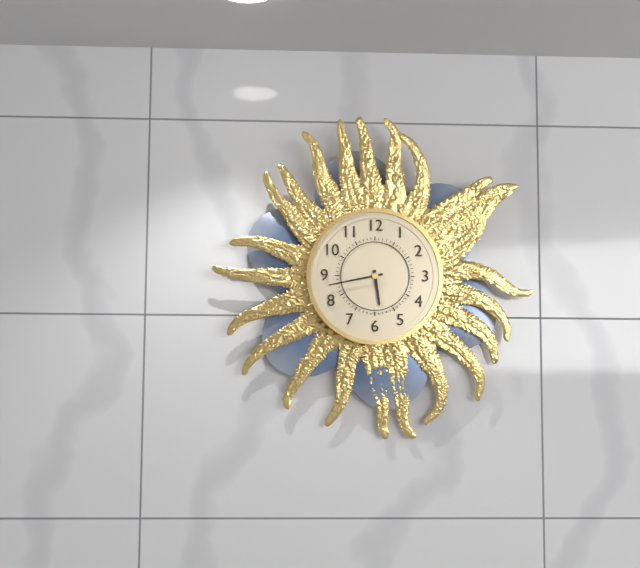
5:43
